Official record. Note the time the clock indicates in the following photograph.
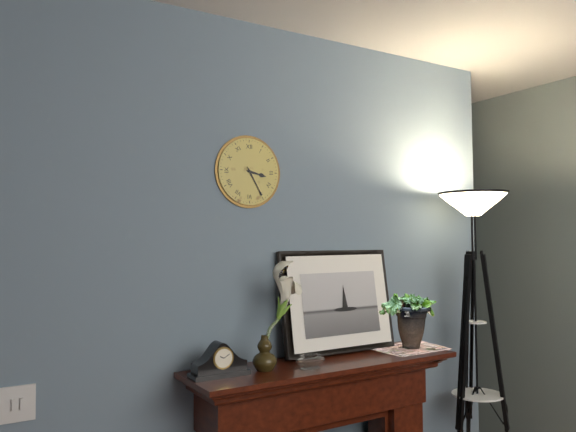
3:25
